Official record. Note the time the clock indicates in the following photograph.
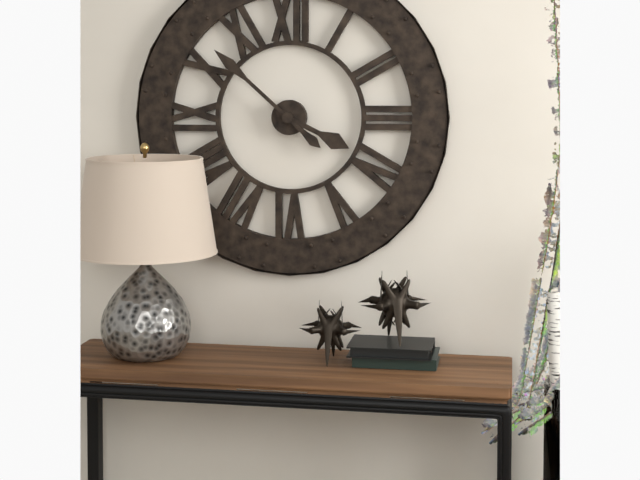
3:52
